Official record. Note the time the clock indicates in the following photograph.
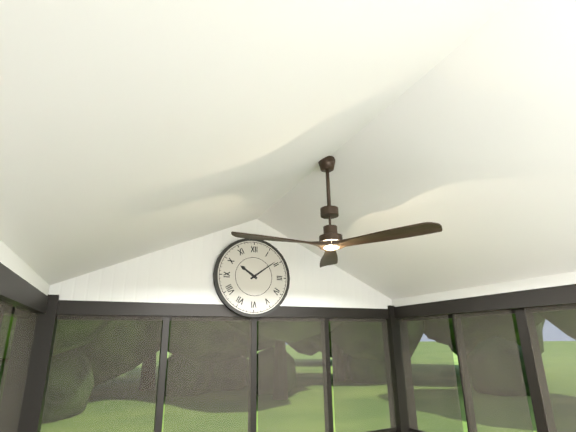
10:09
